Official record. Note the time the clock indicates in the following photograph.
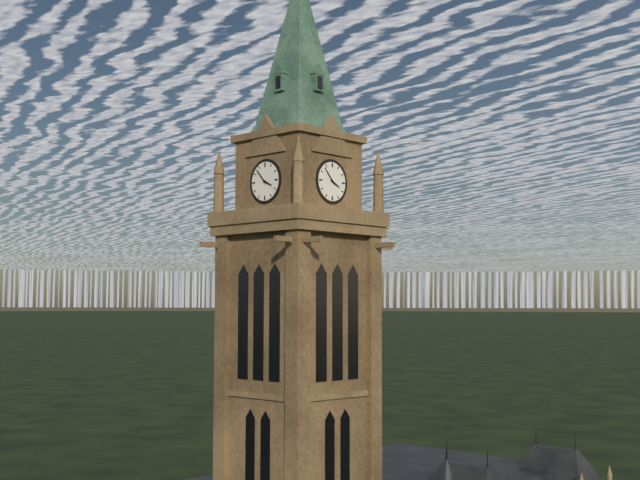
3:53
